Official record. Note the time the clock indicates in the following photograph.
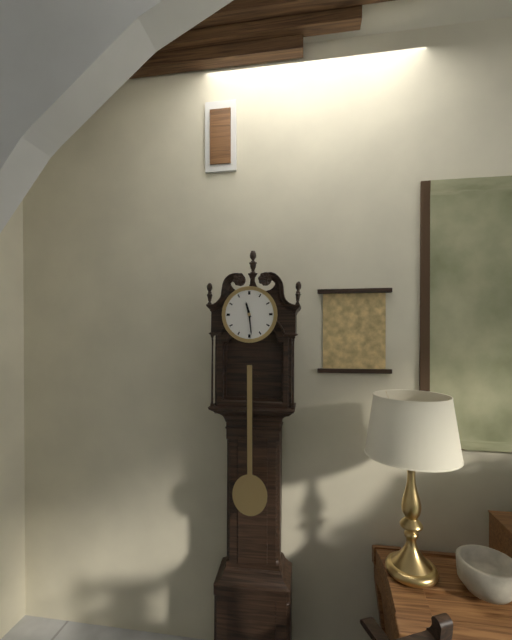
11:29
